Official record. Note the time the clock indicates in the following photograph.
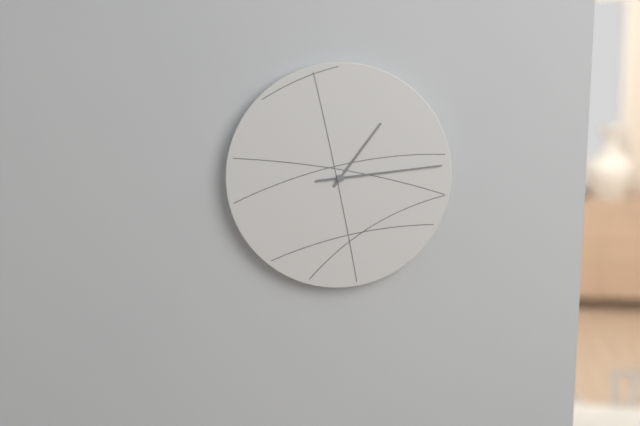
1:14
